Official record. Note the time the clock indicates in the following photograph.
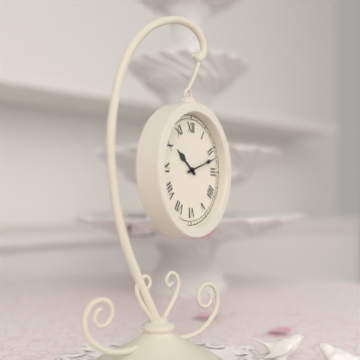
10:12
